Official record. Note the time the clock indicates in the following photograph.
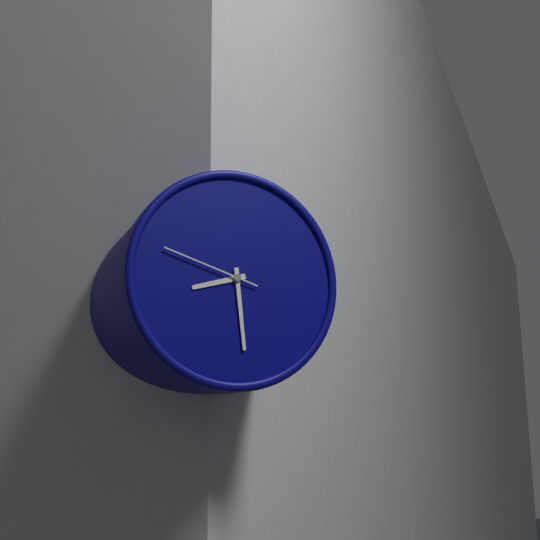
8:29:48
